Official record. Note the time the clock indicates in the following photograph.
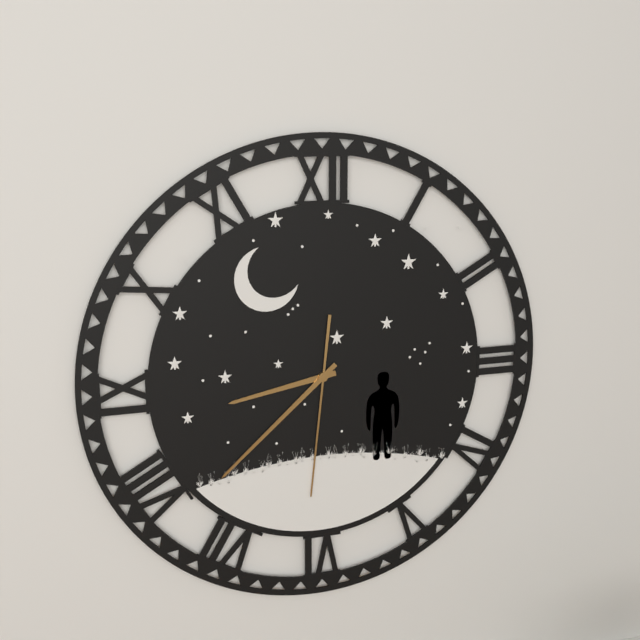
8:38:31
